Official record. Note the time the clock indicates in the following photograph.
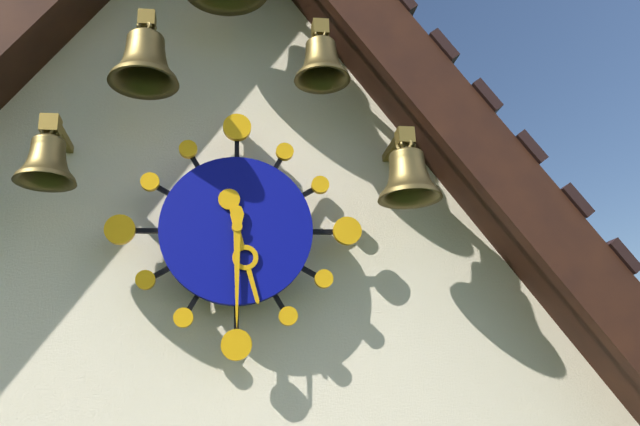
5:30
